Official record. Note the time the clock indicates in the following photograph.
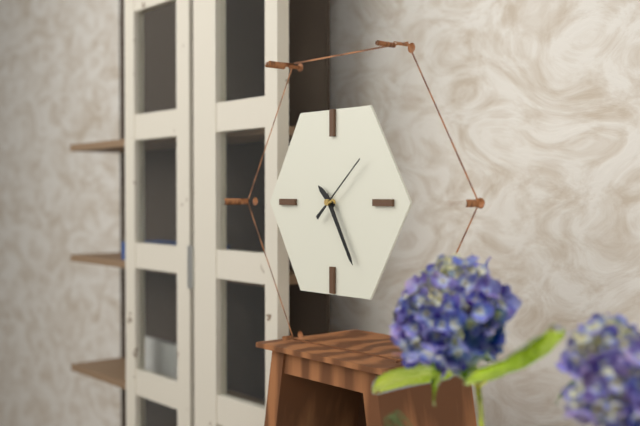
10:25:08
